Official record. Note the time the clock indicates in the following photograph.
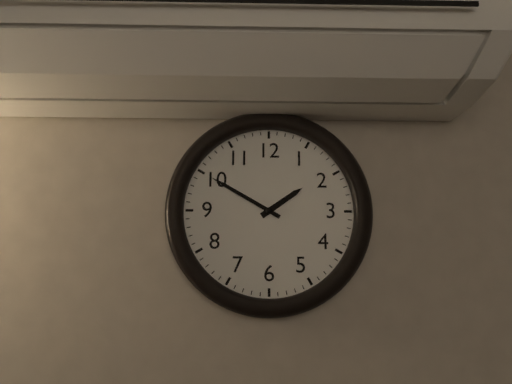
1:50
